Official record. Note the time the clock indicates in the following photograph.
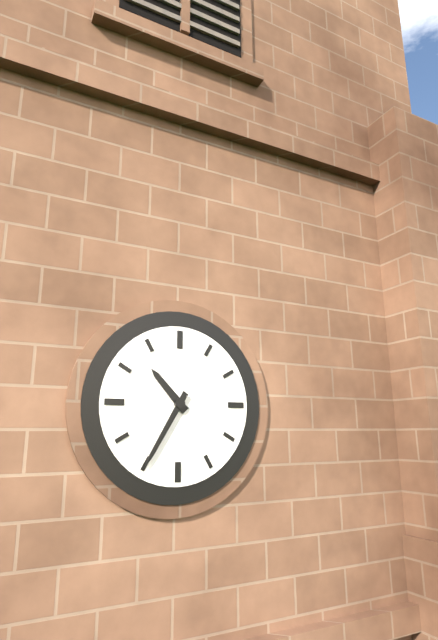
10:35
